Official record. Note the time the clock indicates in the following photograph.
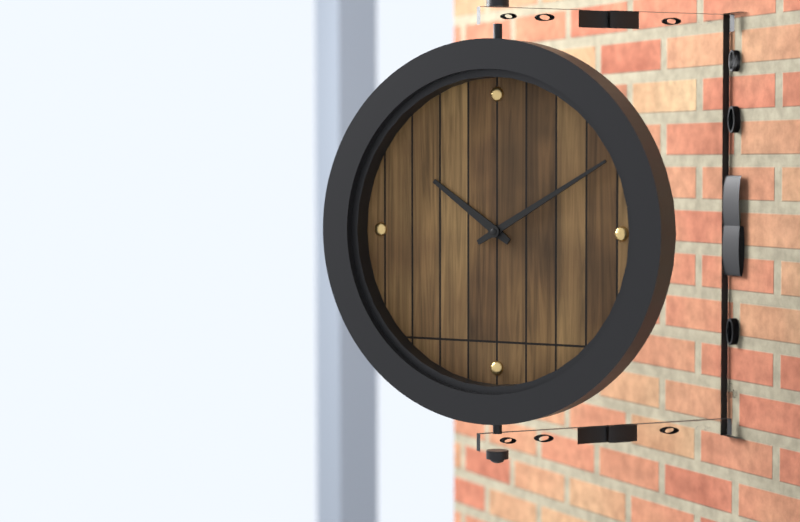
10:10
